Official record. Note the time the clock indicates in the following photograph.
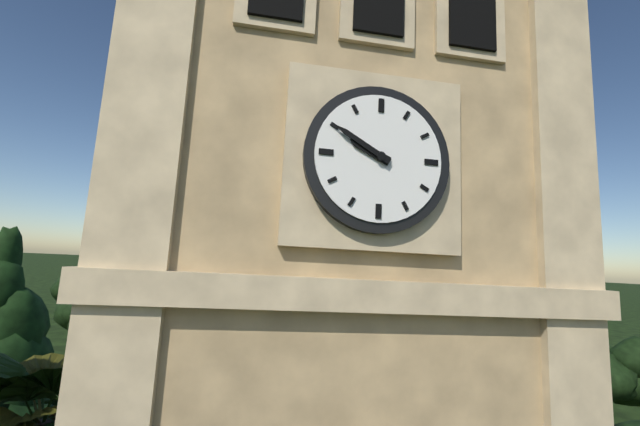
9:50
